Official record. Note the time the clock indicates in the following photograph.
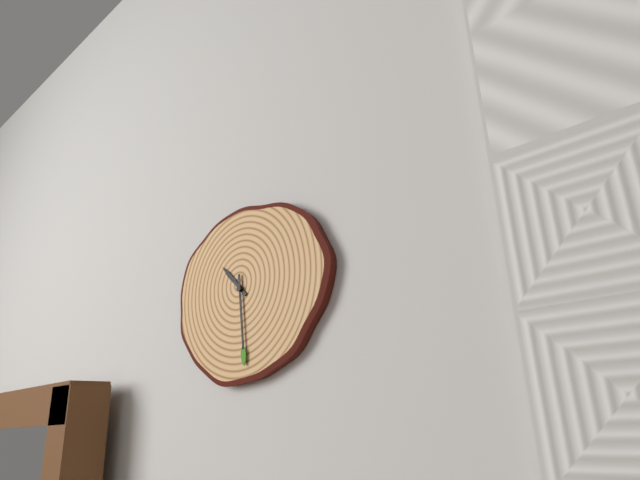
10:29
